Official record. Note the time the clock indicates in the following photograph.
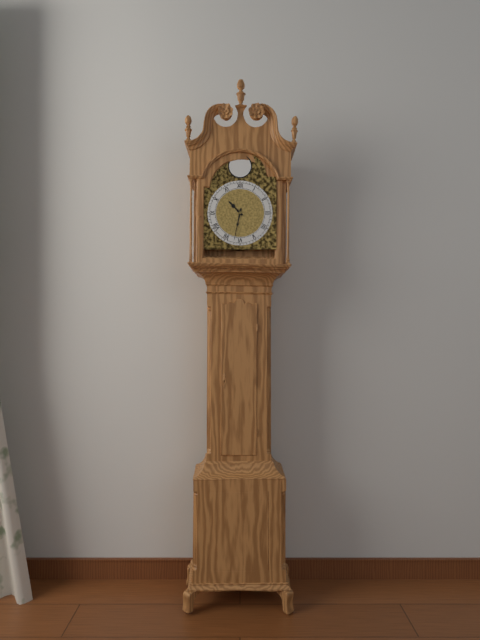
10:32
